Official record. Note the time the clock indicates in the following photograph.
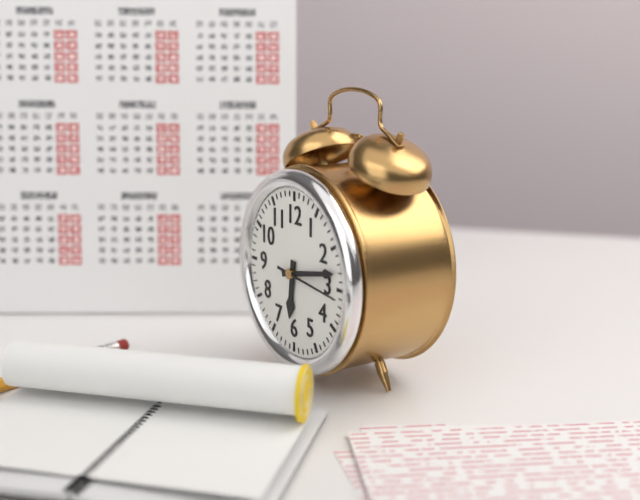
6:13:16
